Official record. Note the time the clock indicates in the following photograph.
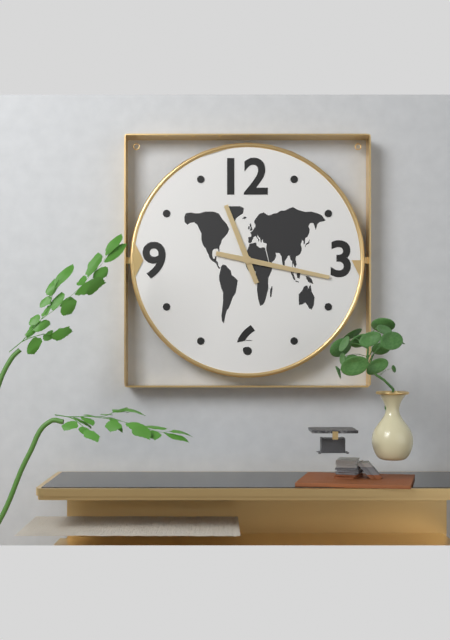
11:17
